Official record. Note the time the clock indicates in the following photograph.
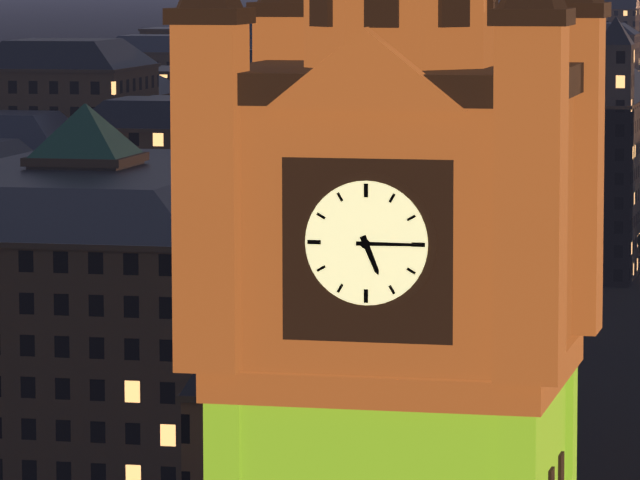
5:15
